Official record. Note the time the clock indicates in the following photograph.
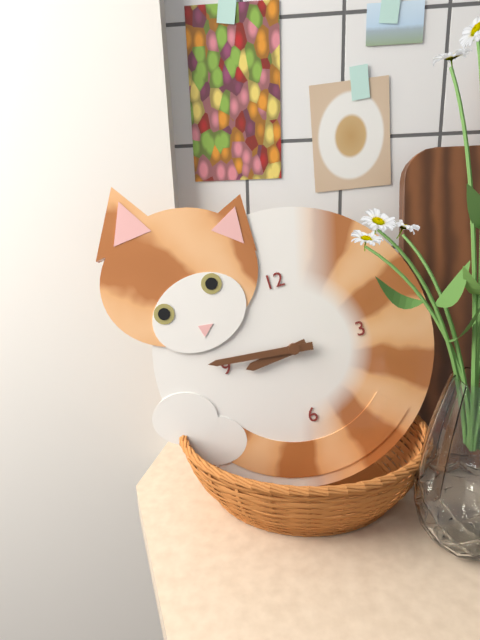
8:46
